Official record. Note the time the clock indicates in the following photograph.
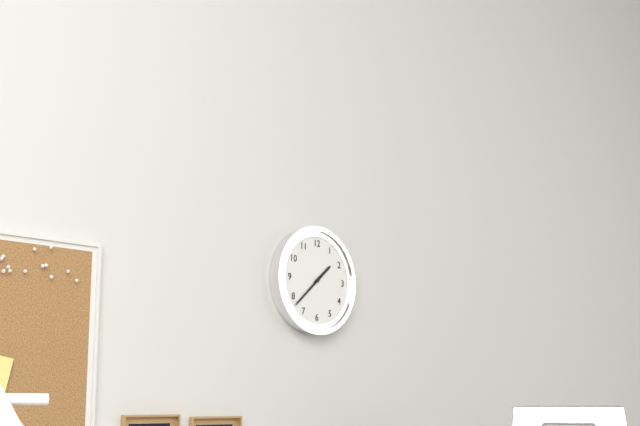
1:38
